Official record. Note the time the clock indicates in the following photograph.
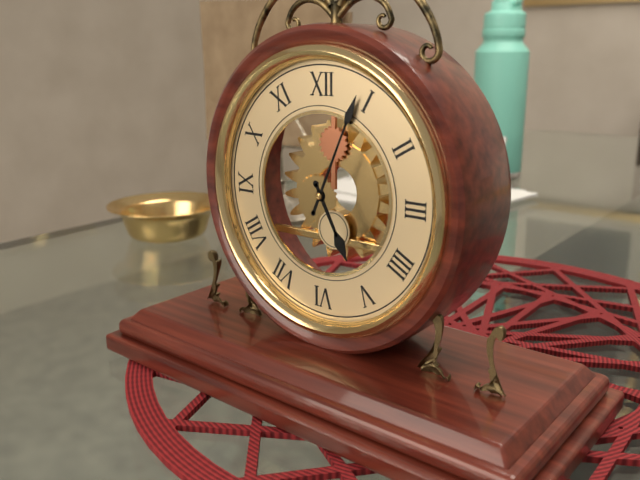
5:04
